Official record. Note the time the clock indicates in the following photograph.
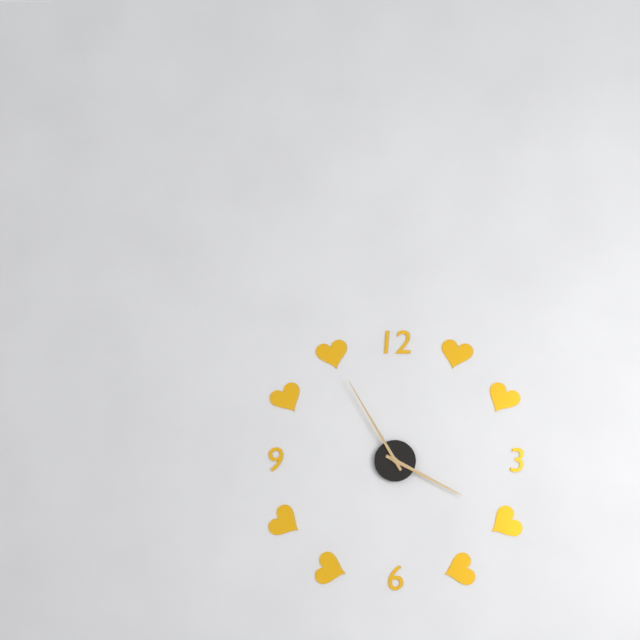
3:55
